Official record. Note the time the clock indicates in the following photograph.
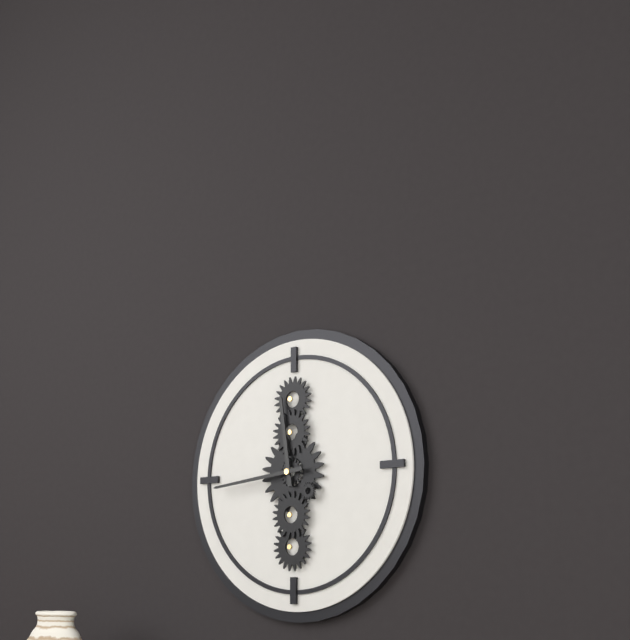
11:44
